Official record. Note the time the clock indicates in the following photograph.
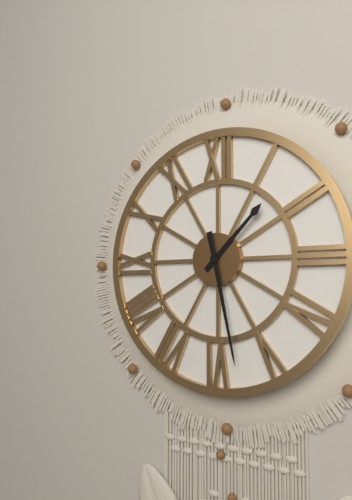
1:28
